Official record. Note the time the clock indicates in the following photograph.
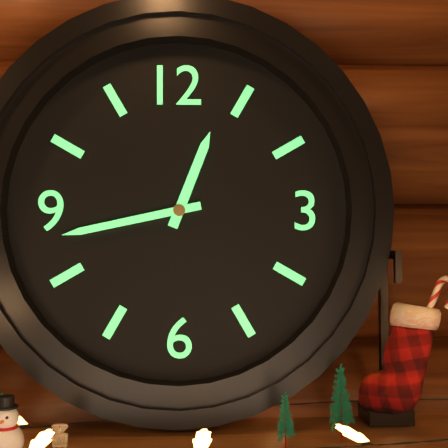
12:43
